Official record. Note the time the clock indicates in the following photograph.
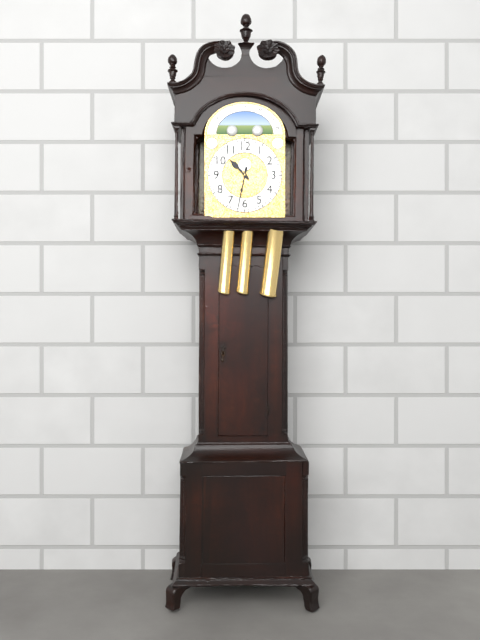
10:32
